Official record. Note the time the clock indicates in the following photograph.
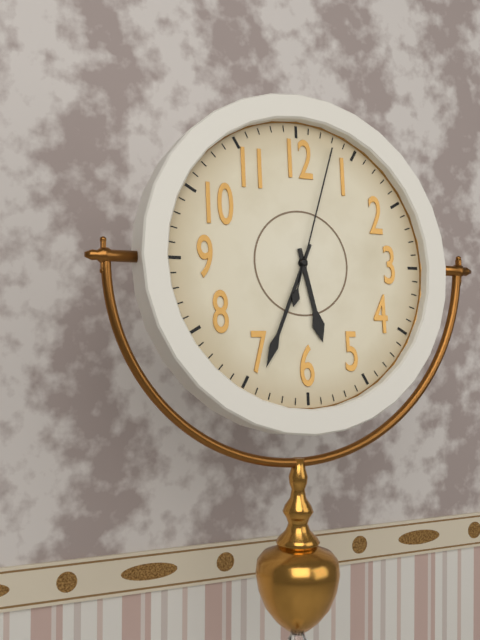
5:34:03
